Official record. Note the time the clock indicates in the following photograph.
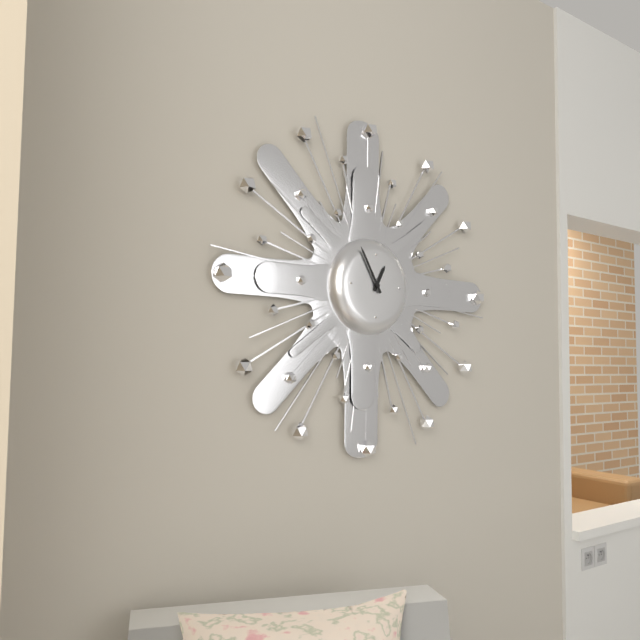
12:55
